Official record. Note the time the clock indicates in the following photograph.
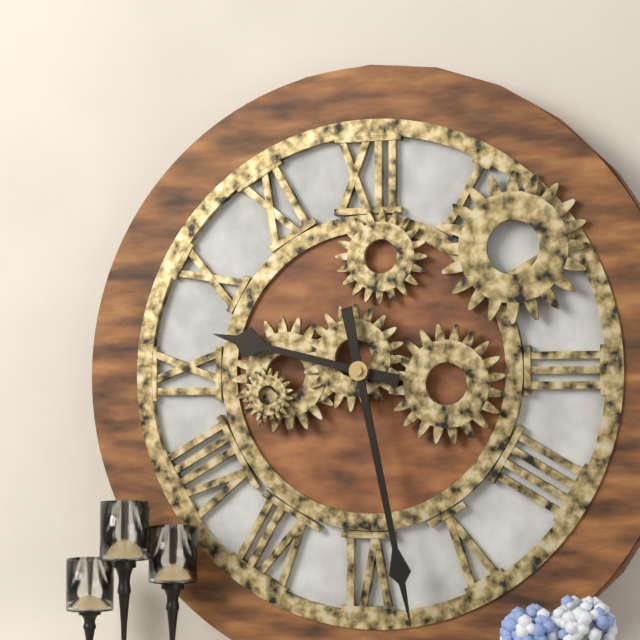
9:28
